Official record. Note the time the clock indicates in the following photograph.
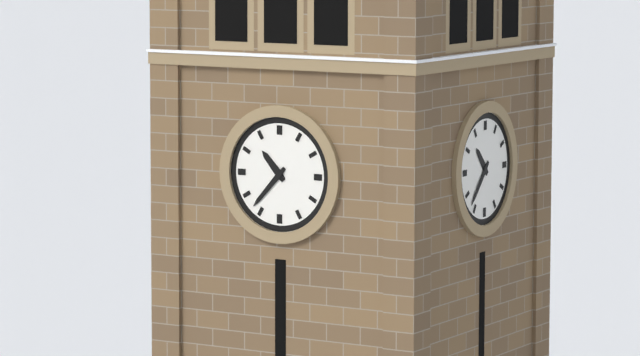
10:37
